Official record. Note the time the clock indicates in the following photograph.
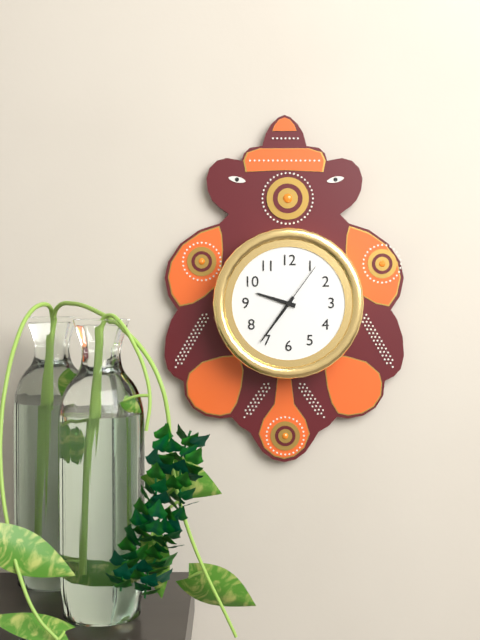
9:36:06
